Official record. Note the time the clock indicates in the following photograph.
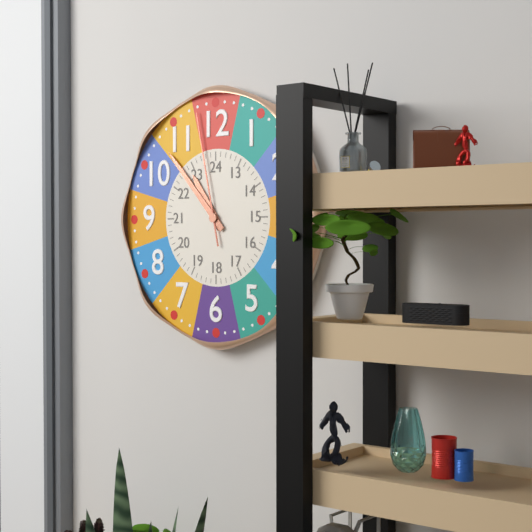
10:53:58
